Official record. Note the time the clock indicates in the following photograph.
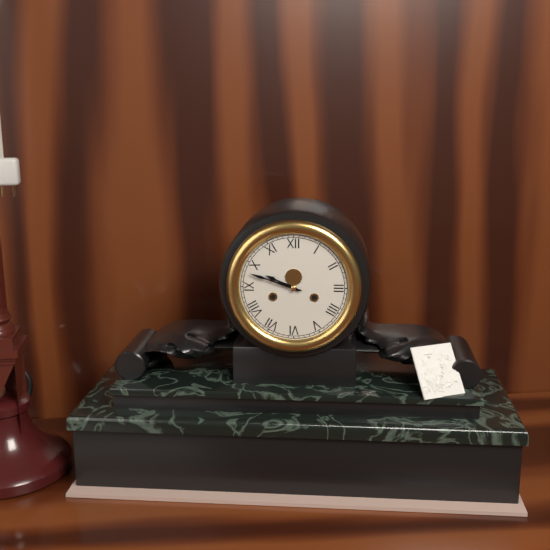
9:48
